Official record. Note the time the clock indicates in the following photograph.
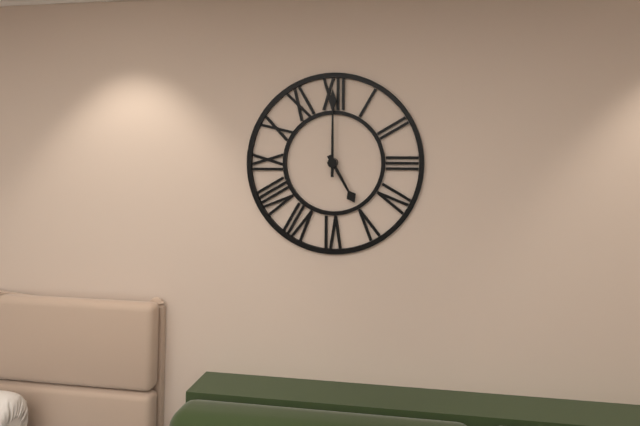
5:00
